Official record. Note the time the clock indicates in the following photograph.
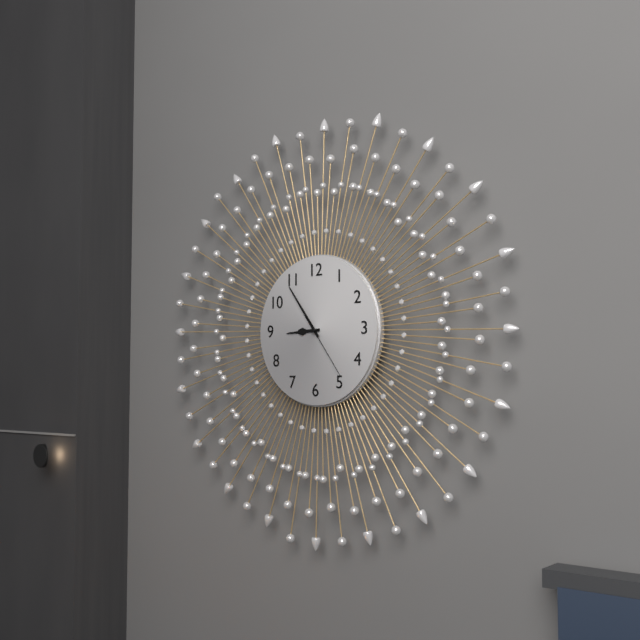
8:54:24
